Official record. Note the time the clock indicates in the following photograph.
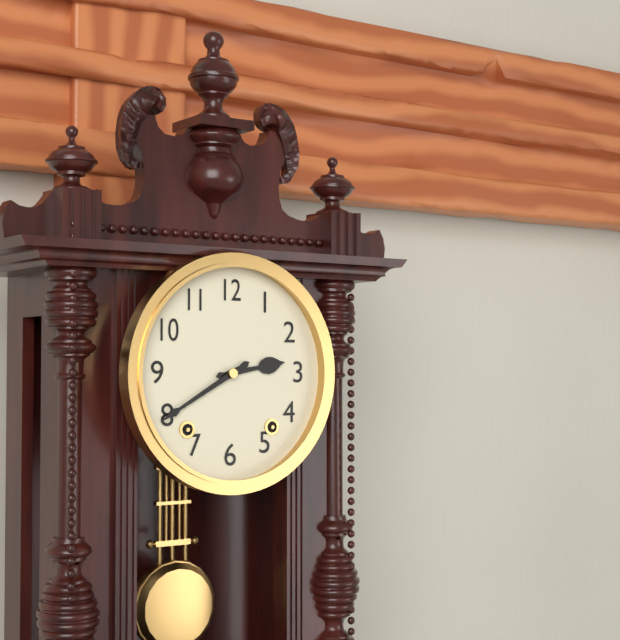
2:40
